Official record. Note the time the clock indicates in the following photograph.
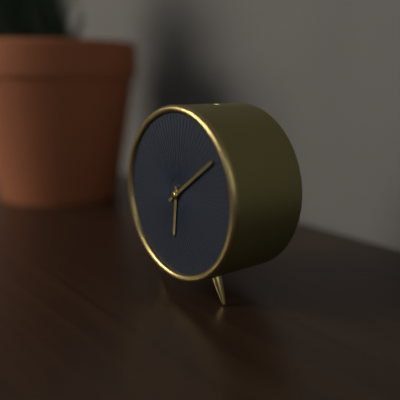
6:09
